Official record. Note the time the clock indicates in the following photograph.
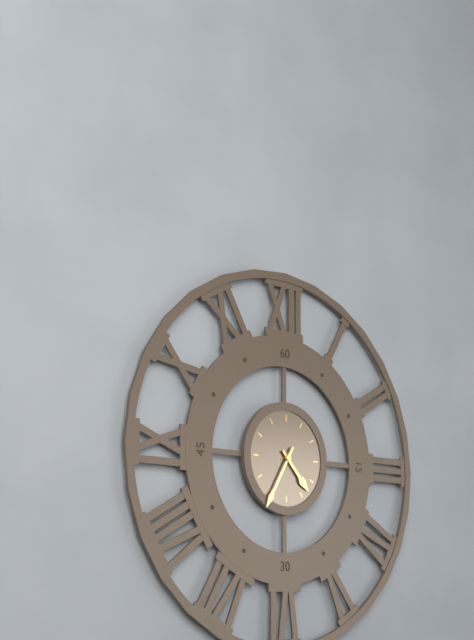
4:35
